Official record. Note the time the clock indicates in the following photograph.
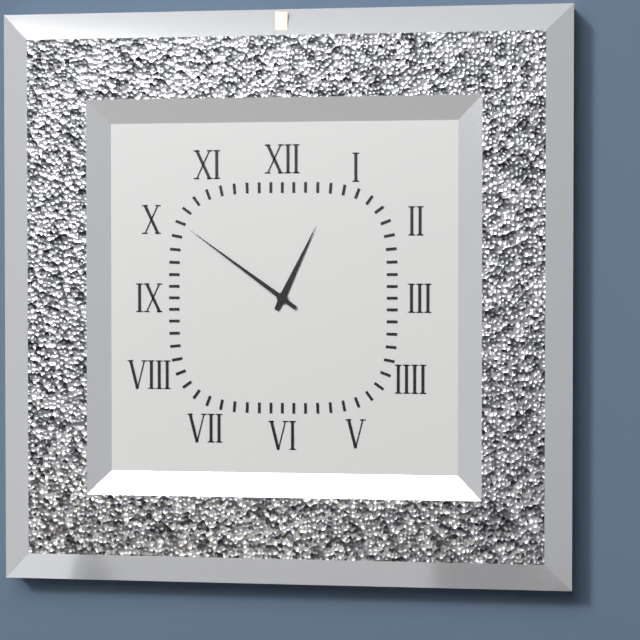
12:51
